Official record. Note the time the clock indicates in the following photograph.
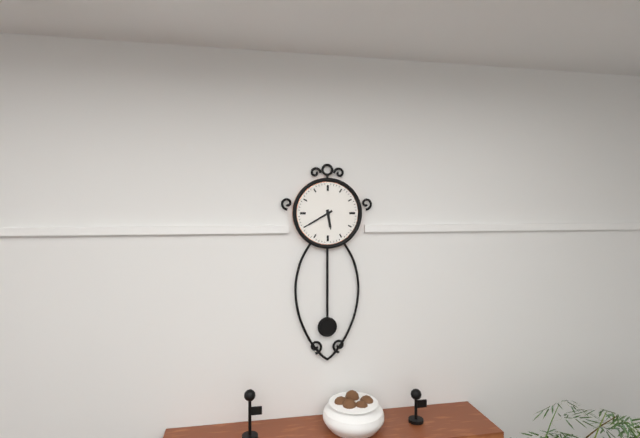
5:40
